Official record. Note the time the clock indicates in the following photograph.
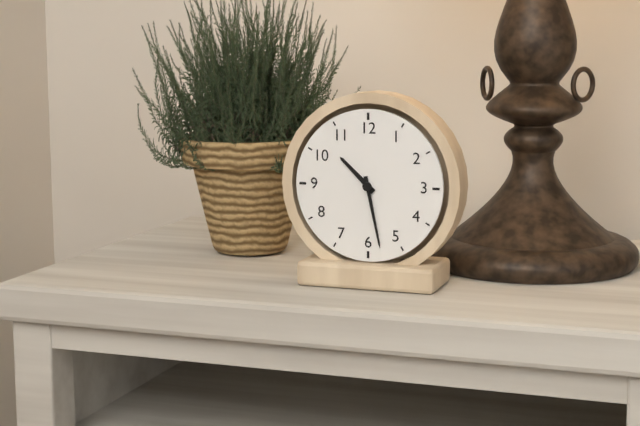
10:28
